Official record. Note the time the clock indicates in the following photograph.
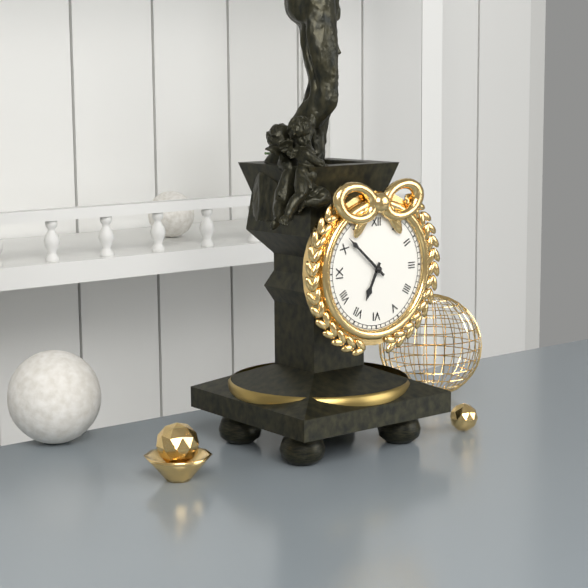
6:52
